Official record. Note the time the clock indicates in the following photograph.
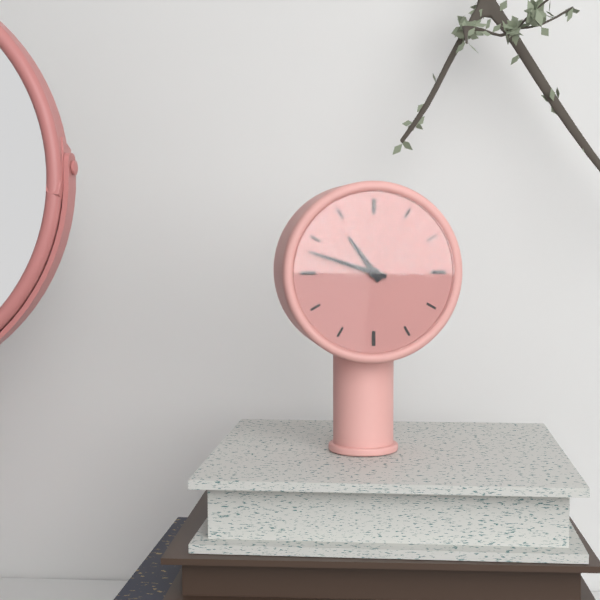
10:48
